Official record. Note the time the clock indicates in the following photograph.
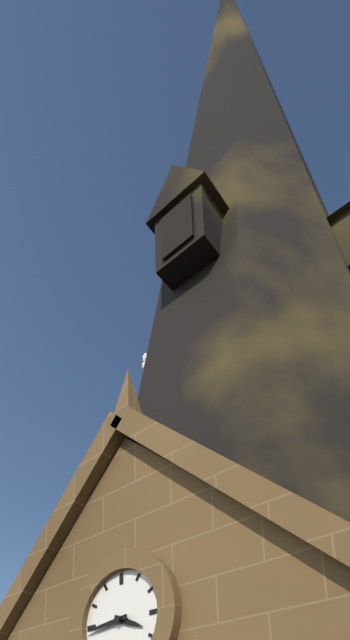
3:44
